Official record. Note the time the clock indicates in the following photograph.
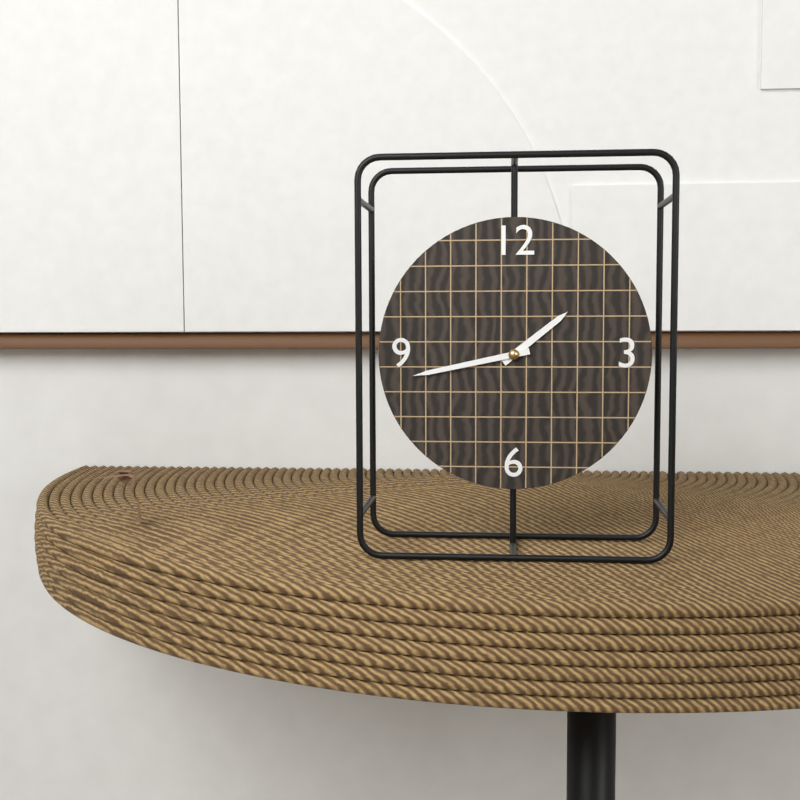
1:43
